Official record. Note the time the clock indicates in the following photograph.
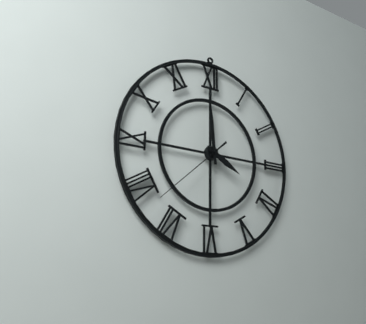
3:59:38
